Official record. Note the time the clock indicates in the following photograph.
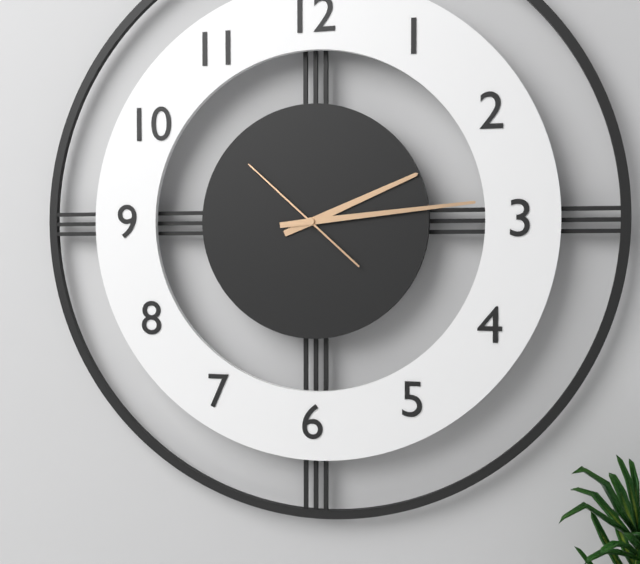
2:14:52
